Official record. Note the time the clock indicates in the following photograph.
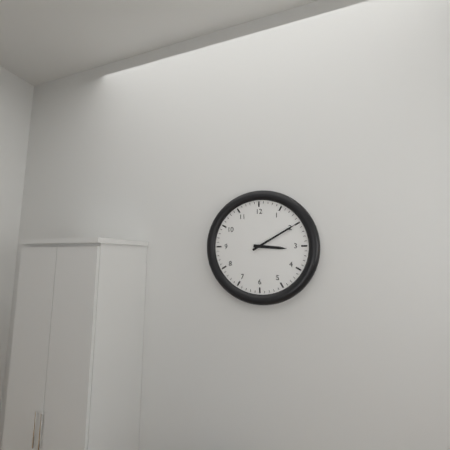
3:10
